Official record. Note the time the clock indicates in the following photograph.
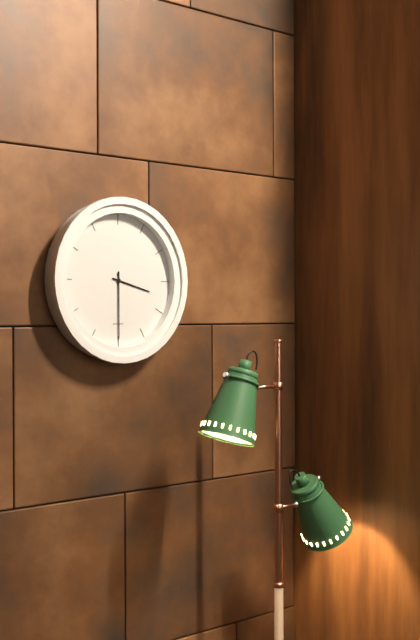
3:30
